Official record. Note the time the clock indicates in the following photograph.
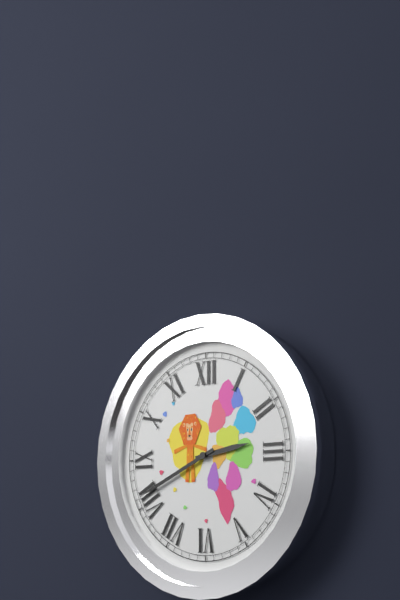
2:41
